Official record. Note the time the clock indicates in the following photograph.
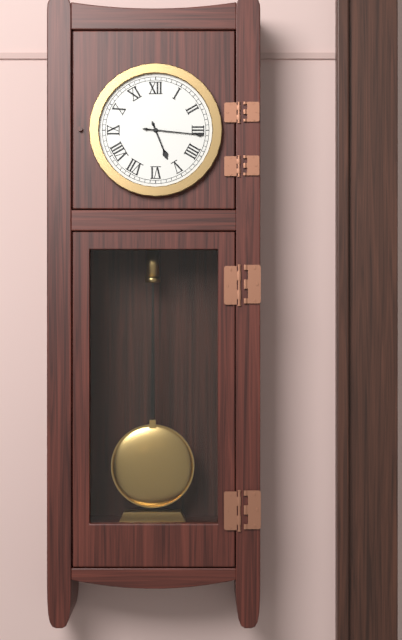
5:16
